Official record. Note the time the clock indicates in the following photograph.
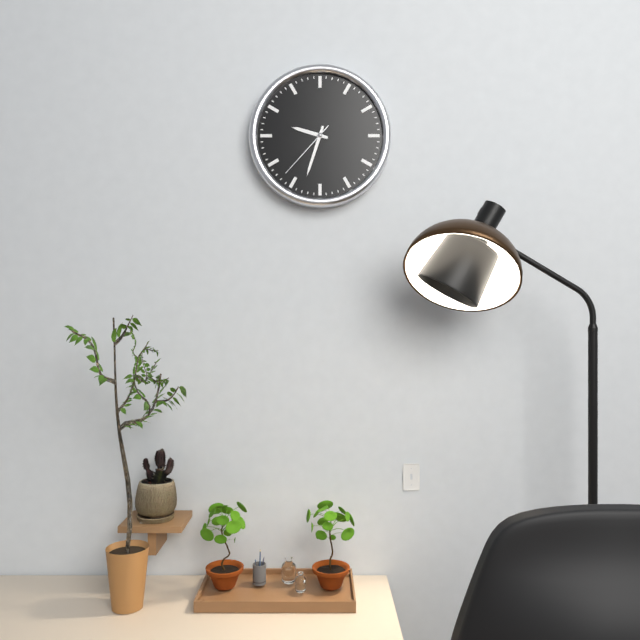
9:33:37
